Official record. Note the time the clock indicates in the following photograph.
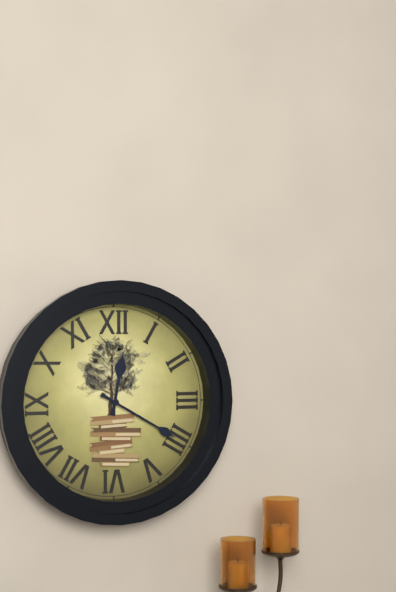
12:20
